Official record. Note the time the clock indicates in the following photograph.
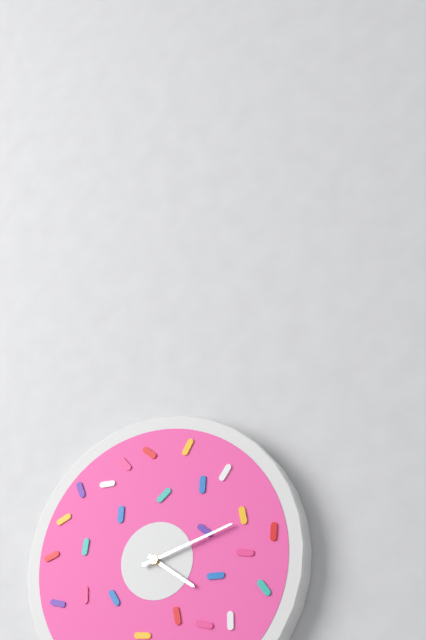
4:12
